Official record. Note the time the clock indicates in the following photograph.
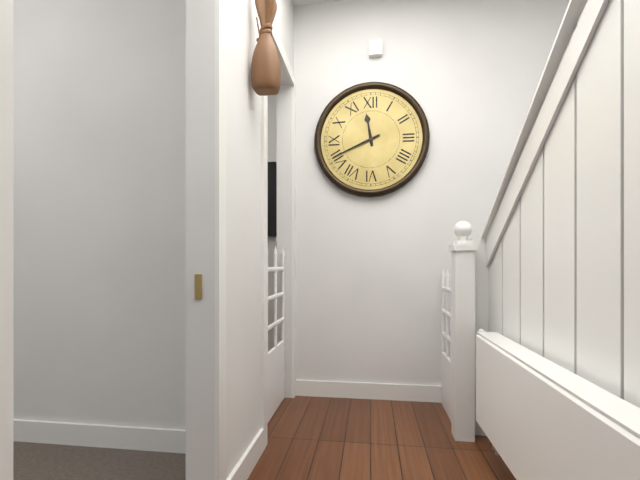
11:41
